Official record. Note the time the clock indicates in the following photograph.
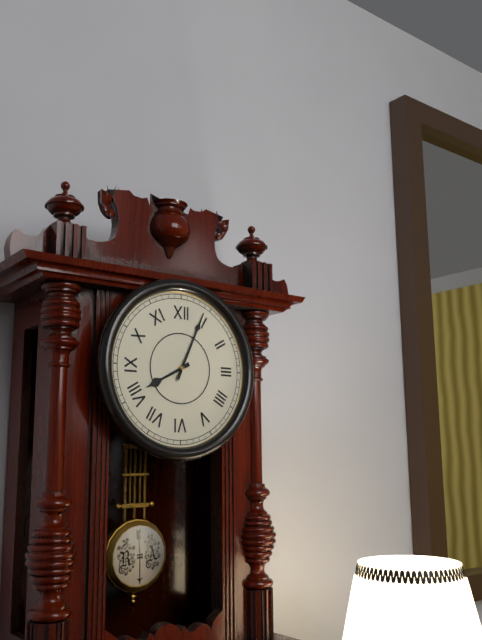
8:04
